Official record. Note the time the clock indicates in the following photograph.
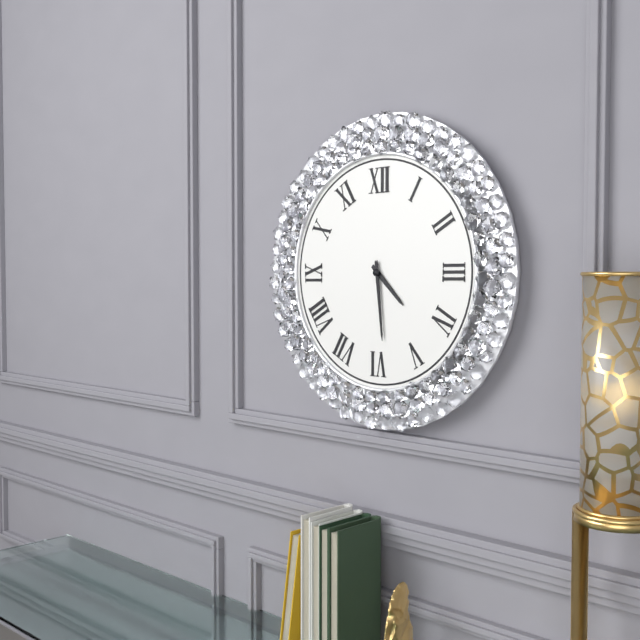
4:29
